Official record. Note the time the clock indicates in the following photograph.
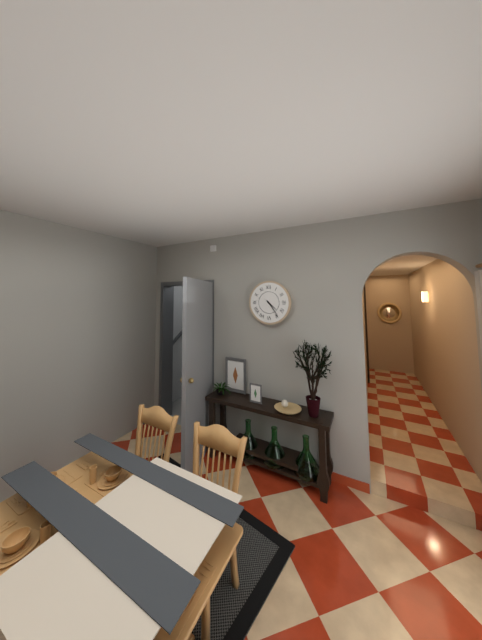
4:24
